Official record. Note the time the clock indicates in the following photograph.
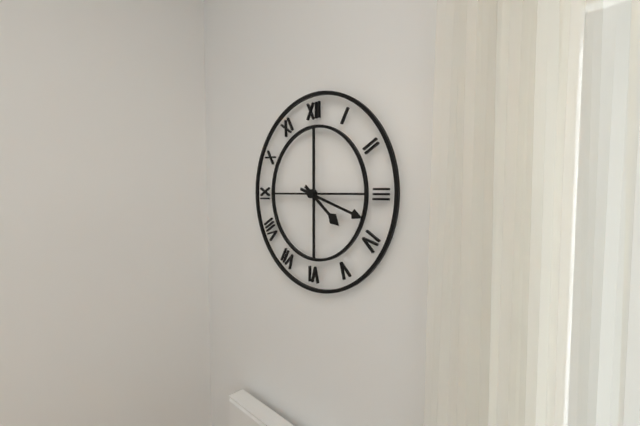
4:18
